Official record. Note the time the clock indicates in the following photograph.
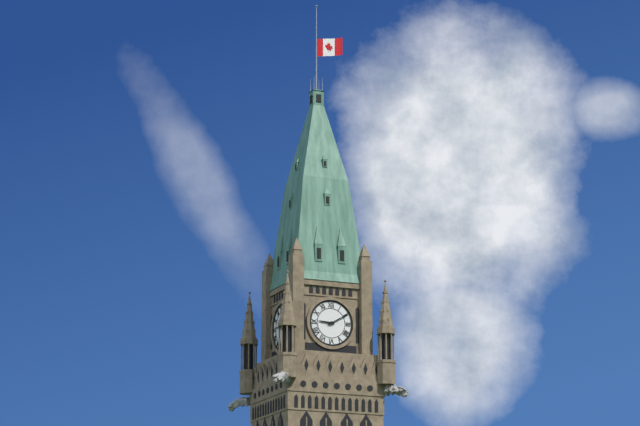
9:10
